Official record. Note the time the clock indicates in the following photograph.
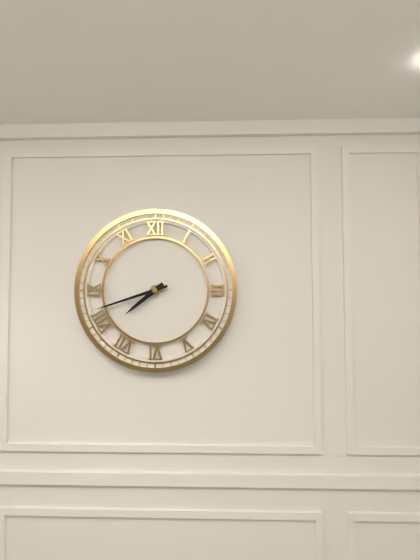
7:42
